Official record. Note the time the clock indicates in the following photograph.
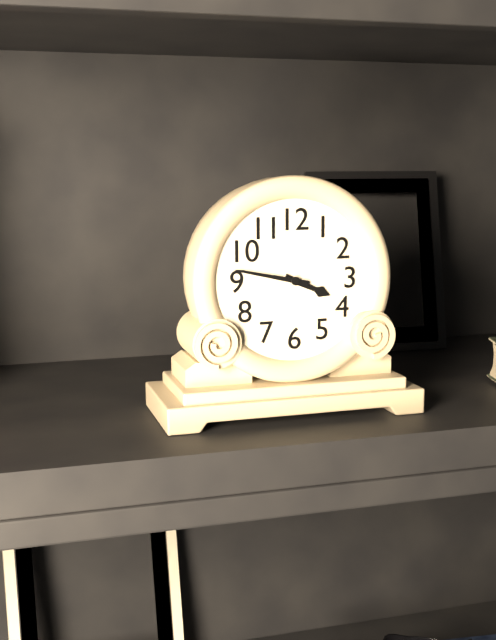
3:47
